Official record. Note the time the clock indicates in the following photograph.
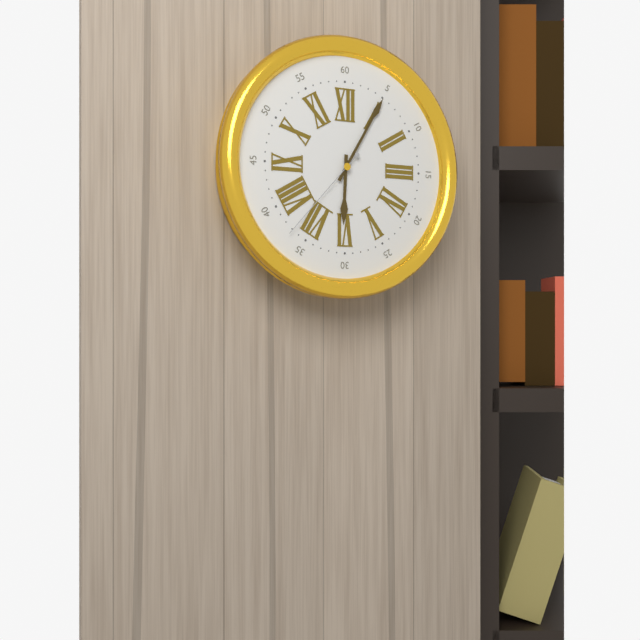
6:05:37
